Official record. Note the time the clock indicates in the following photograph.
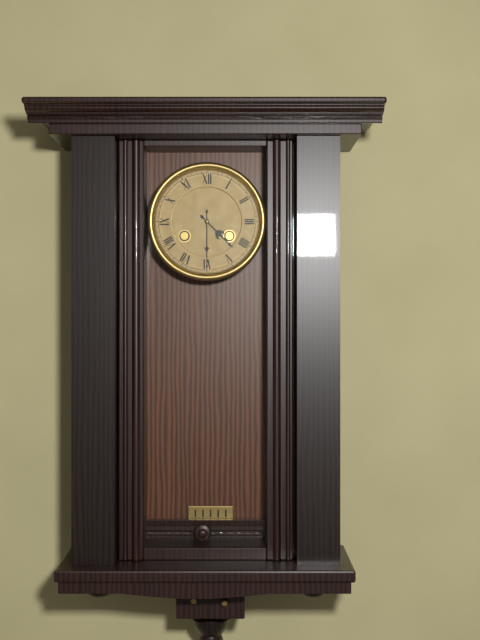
4:30
